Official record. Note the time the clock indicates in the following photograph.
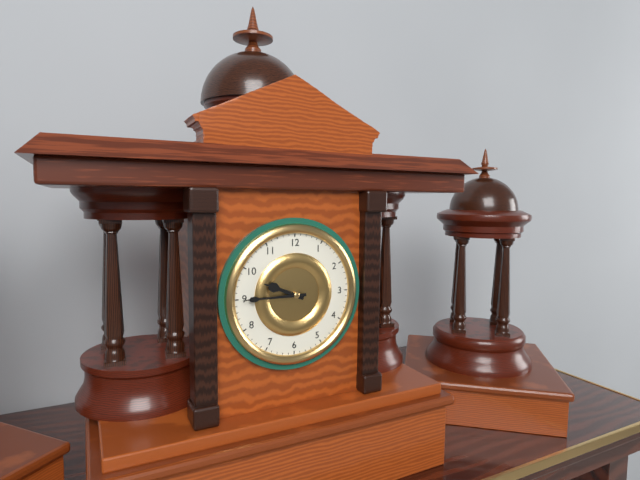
9:45
